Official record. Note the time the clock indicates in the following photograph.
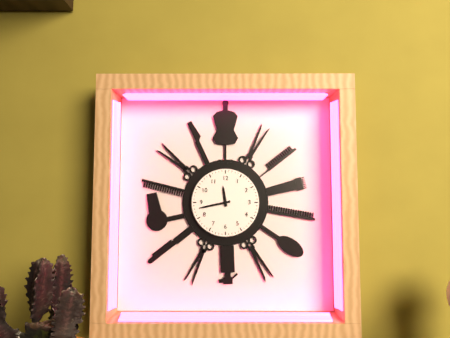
11:43
